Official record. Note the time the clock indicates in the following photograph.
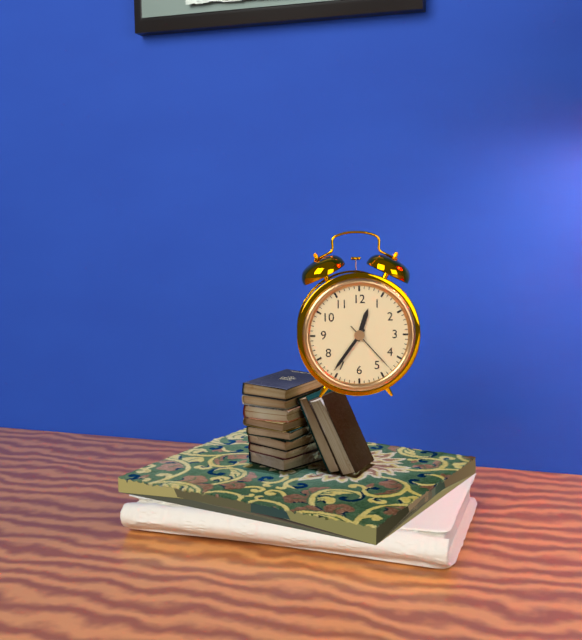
12:36:23
